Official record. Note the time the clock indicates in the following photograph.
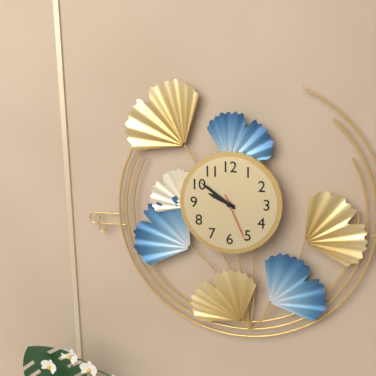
9:51:26
